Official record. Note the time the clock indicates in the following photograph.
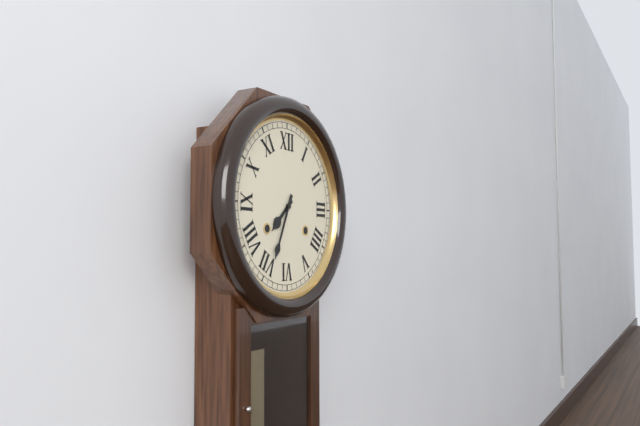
7:34
